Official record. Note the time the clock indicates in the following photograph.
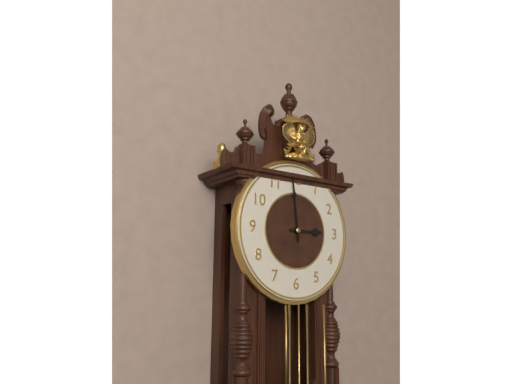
2:59
